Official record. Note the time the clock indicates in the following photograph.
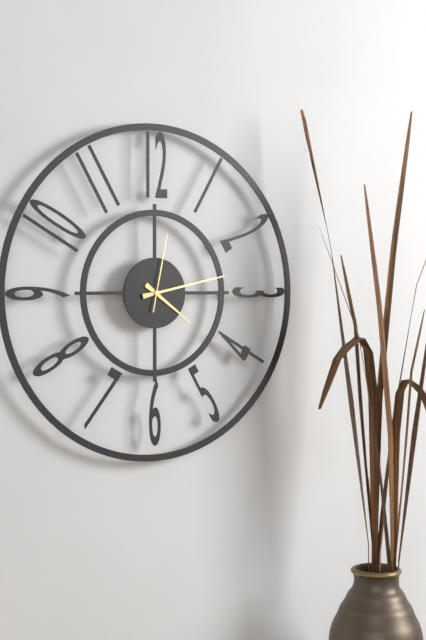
4:13:02
